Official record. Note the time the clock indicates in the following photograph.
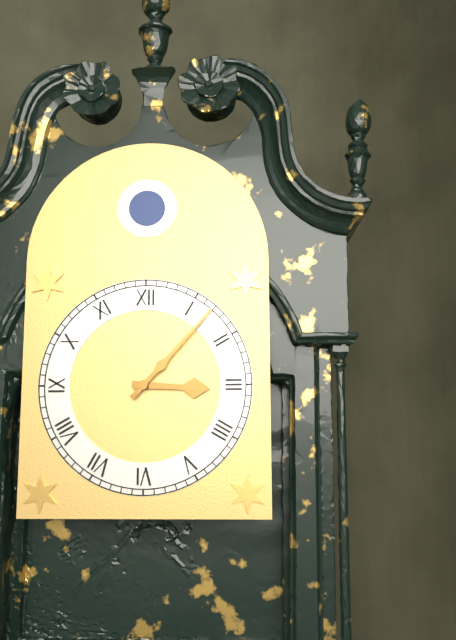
3:07
